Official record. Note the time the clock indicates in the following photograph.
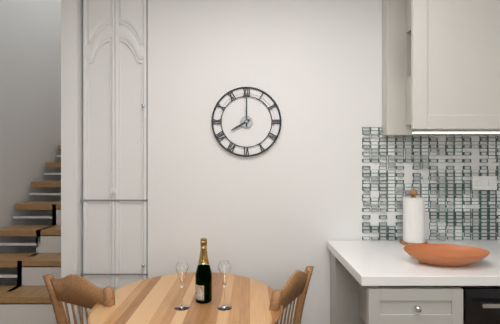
8:00
